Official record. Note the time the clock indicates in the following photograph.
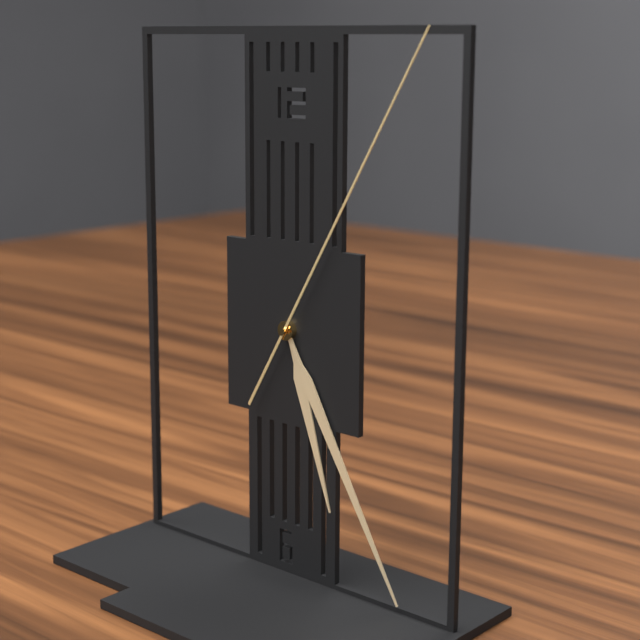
5:25:05
